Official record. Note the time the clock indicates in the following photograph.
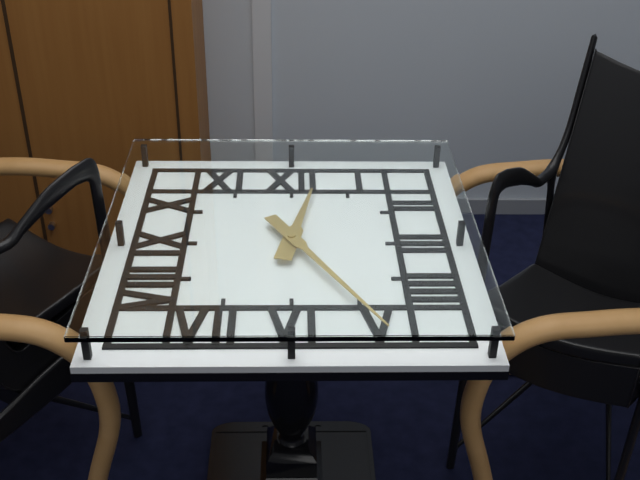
12:25
